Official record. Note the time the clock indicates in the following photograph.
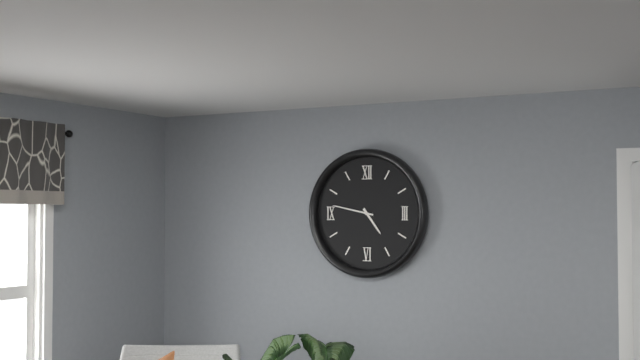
4:47
